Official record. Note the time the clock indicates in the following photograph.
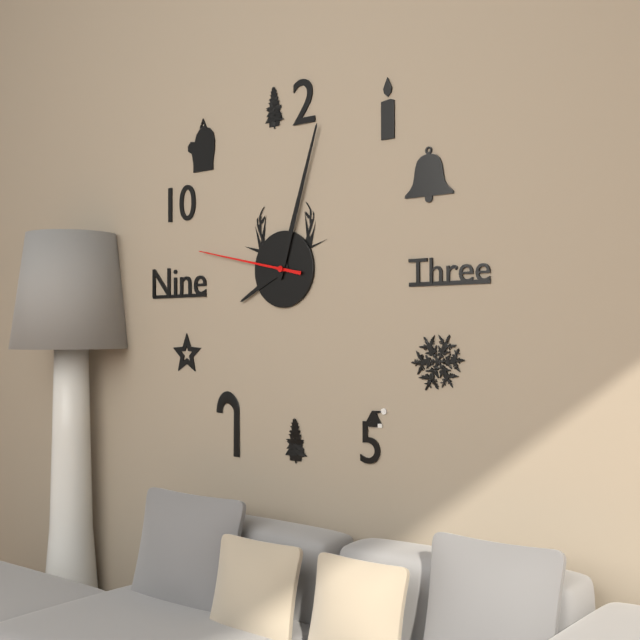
8:03:47
